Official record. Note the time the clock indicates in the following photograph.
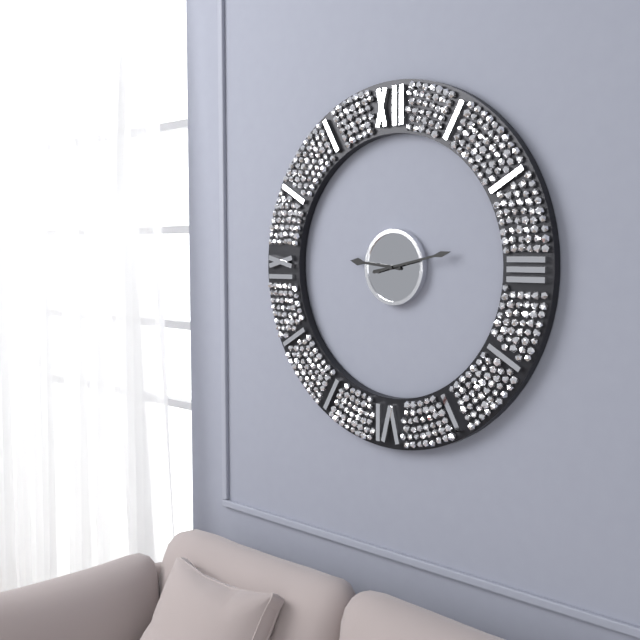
9:13
